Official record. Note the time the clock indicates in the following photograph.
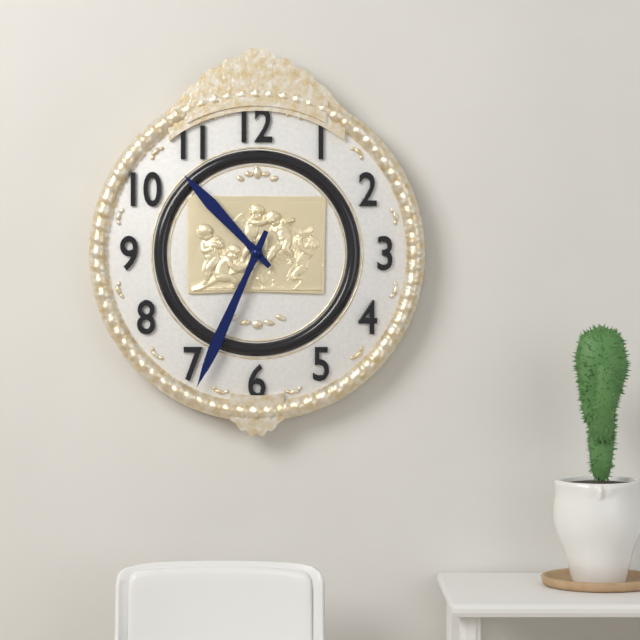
10:34
